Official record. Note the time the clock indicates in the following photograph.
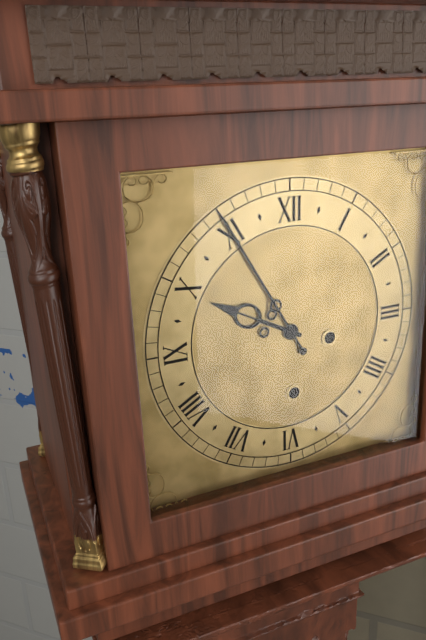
9:55
